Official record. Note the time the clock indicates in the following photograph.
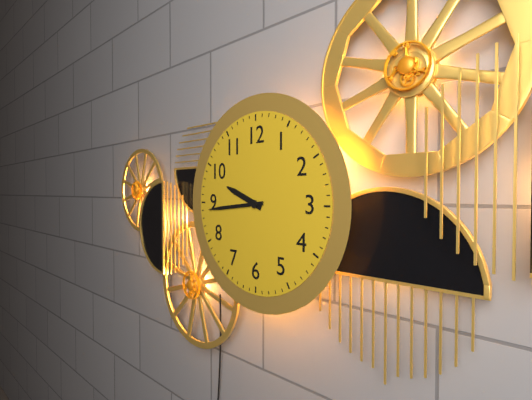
9:44
